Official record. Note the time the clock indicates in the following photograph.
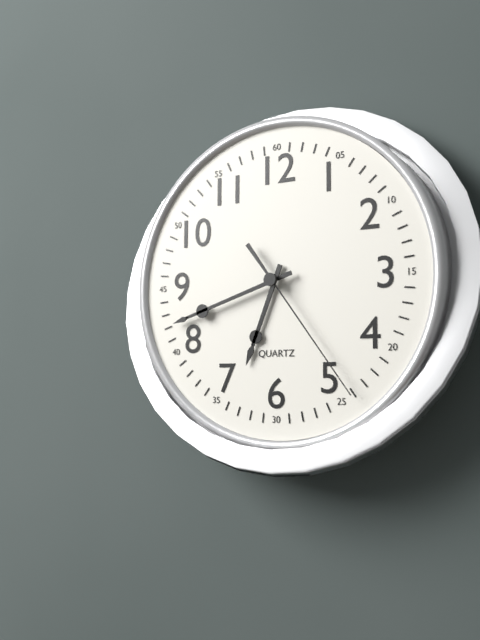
6:42:24
